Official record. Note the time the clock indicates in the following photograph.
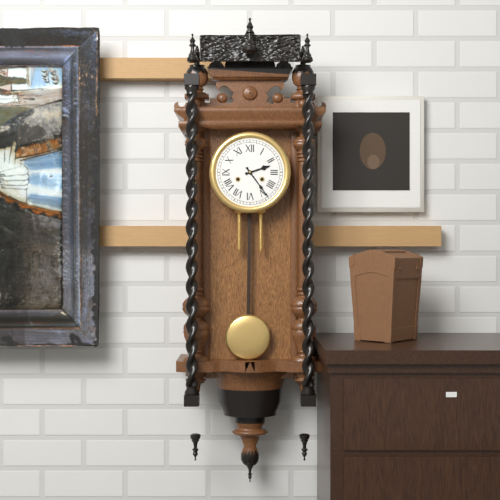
2:24
